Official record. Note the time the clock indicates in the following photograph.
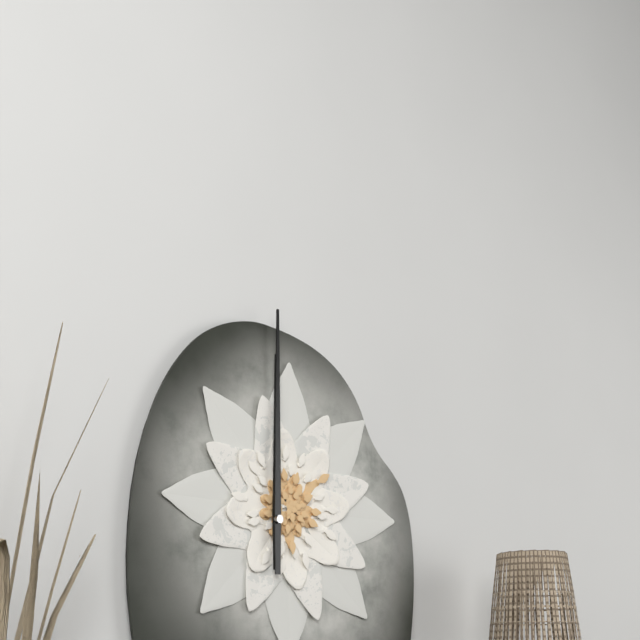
12:00
